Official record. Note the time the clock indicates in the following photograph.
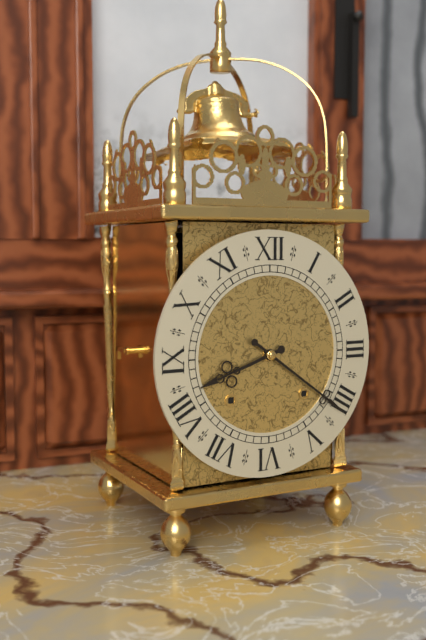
8:21
